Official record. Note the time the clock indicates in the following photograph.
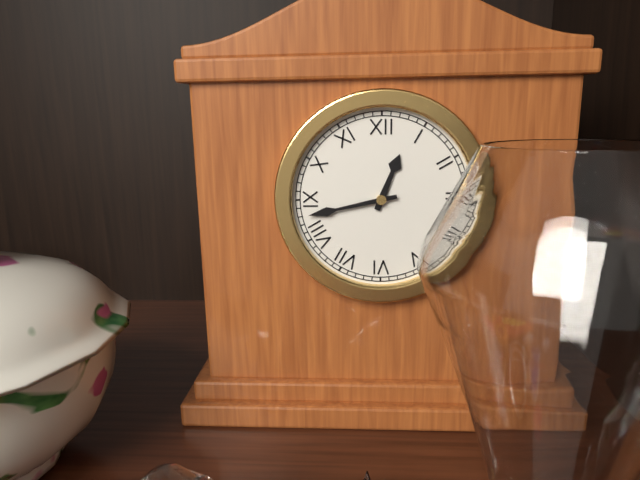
12:43
